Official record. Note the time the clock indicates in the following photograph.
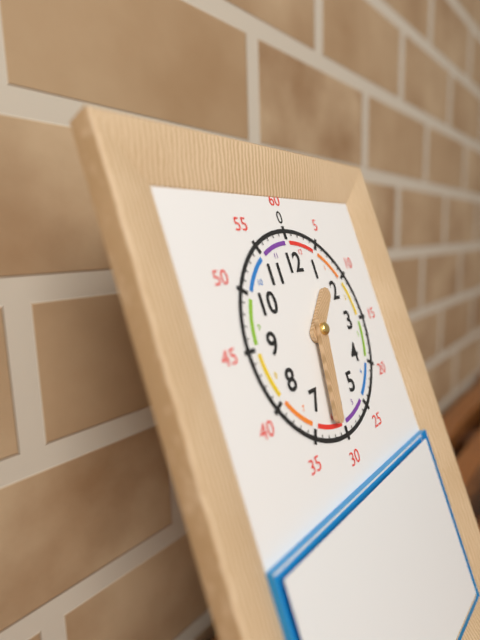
1:32
